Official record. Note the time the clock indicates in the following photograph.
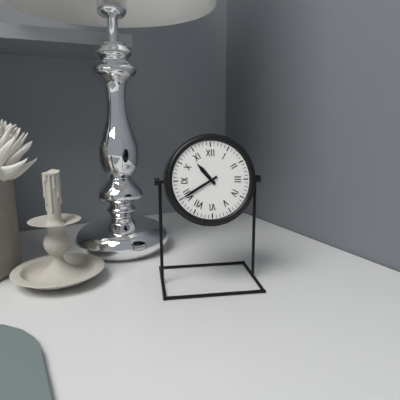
10:40
